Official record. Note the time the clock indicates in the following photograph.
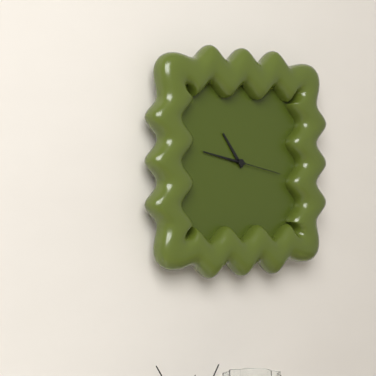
10:47:17
